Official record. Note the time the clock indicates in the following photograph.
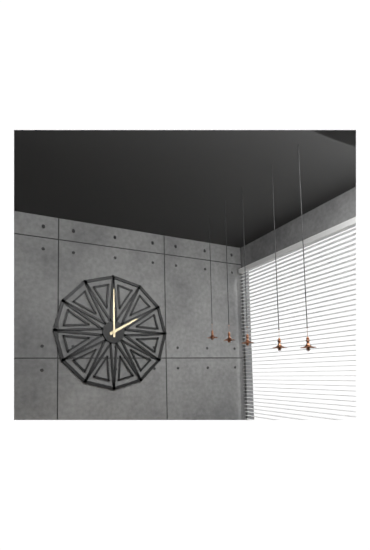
2:00
